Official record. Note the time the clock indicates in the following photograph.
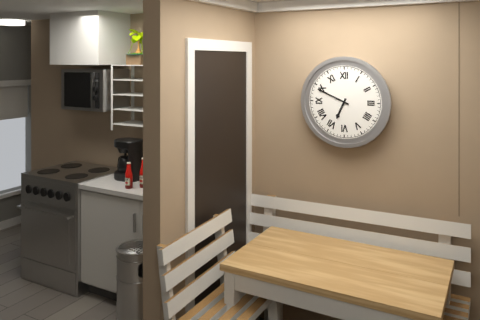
6:49
